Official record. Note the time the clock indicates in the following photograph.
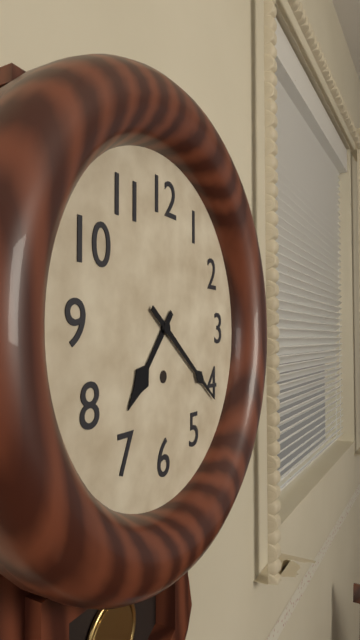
7:21
